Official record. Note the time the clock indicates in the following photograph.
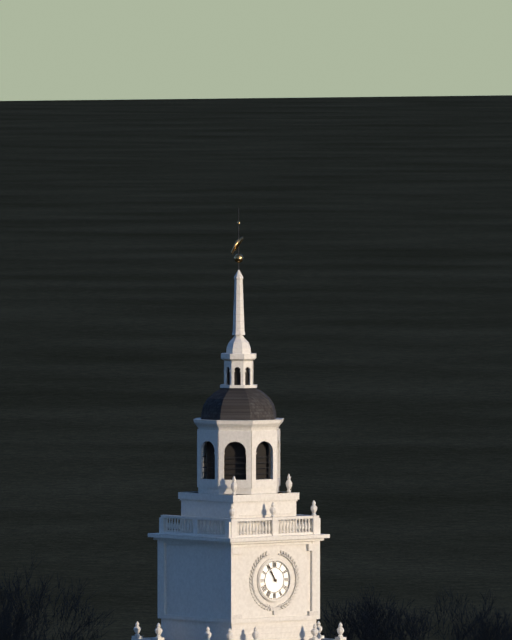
10:55
